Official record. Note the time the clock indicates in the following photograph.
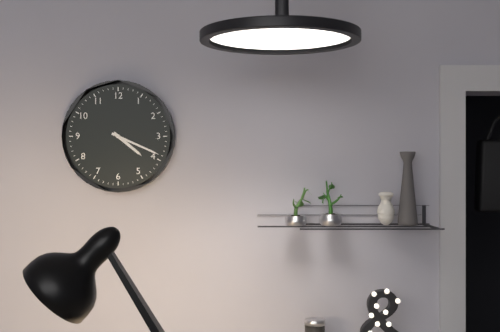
4:19
